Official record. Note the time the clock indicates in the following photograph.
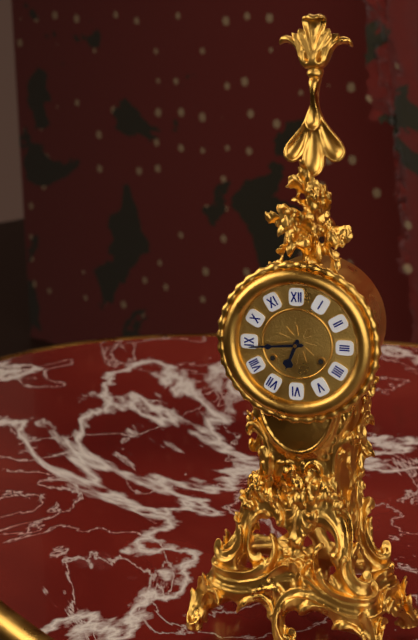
6:44
